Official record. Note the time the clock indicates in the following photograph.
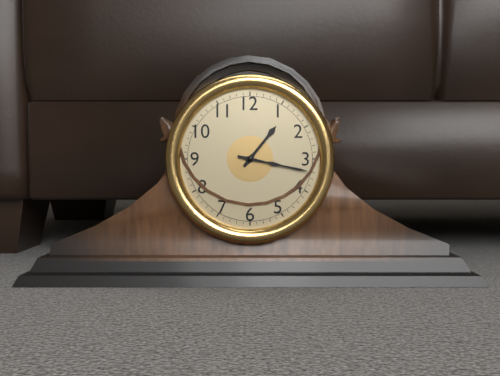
1:17
